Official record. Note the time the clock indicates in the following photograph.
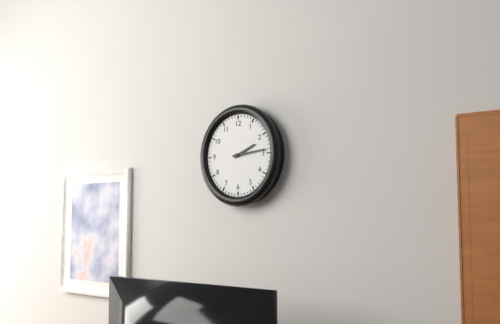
2:14
